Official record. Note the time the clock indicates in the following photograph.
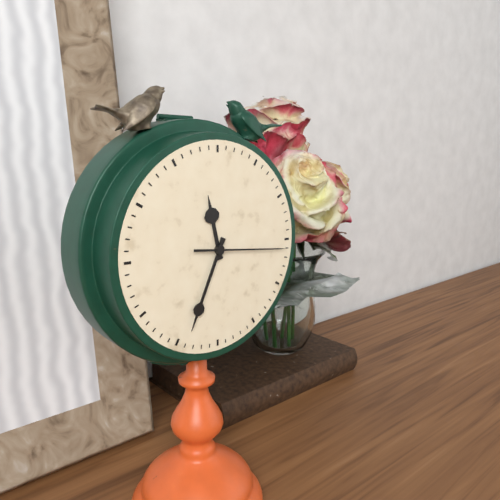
11:34:16
